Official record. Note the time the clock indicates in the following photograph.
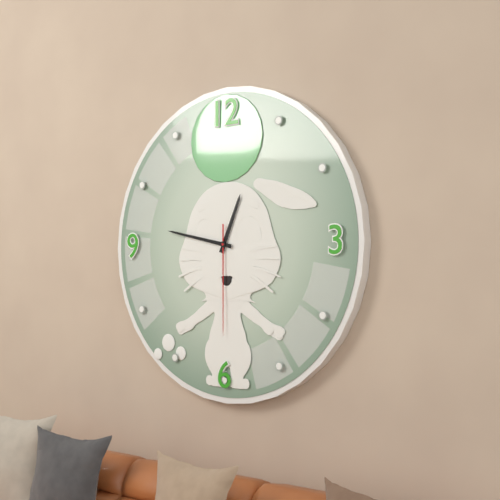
12:47:30
